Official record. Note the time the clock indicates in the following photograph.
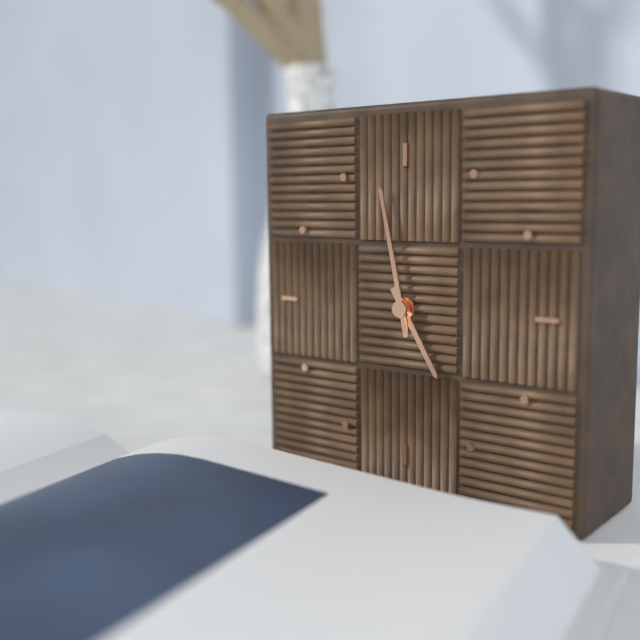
4:58
